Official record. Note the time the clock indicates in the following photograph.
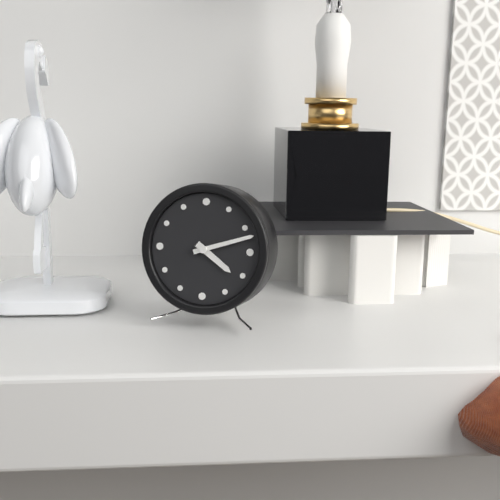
4:12
